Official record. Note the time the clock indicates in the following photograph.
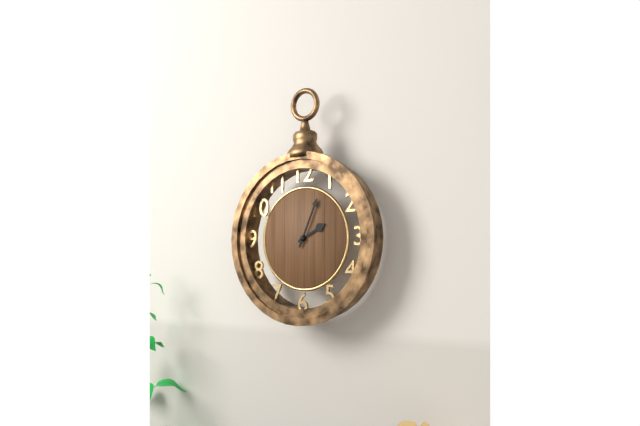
2:04
